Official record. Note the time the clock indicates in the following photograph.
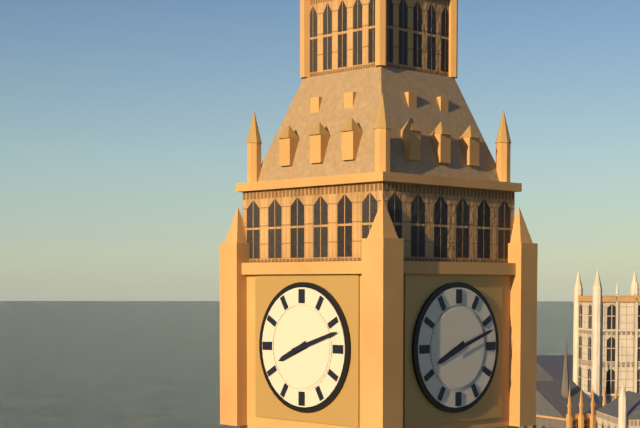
8:12
